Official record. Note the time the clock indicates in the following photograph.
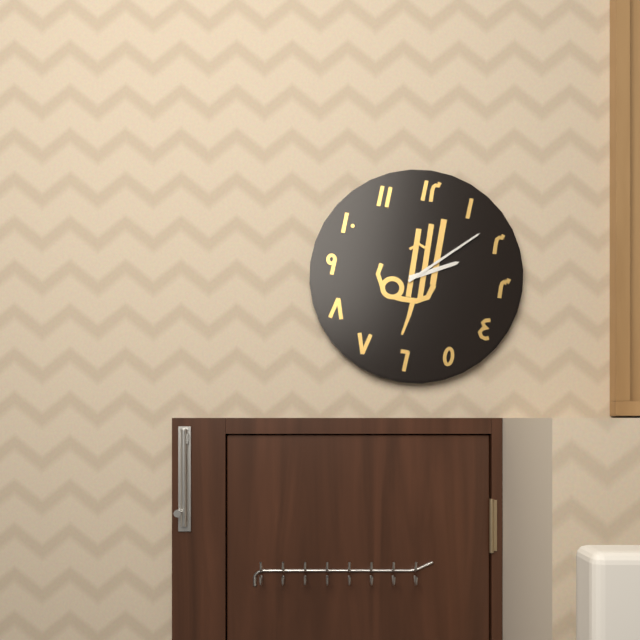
2:08
